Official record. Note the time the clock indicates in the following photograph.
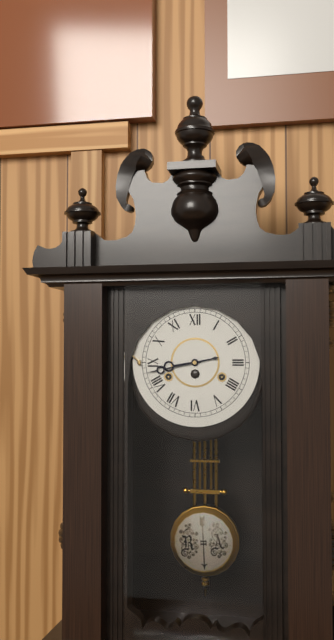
8:43
